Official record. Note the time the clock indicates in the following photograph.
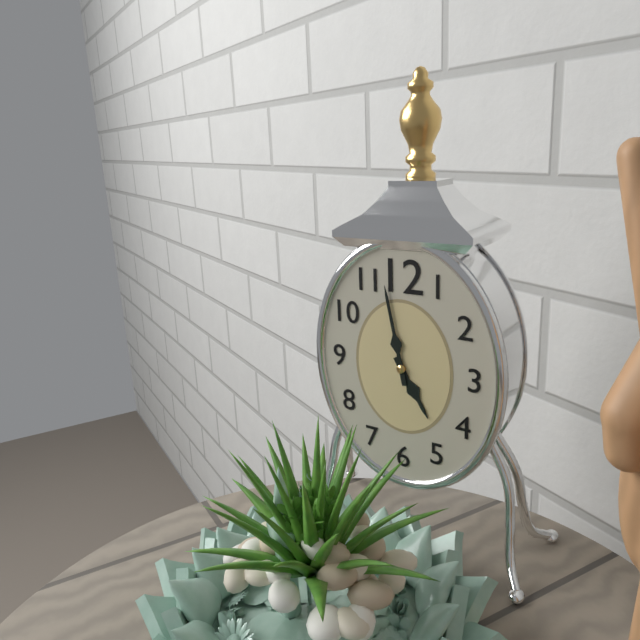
4:58
